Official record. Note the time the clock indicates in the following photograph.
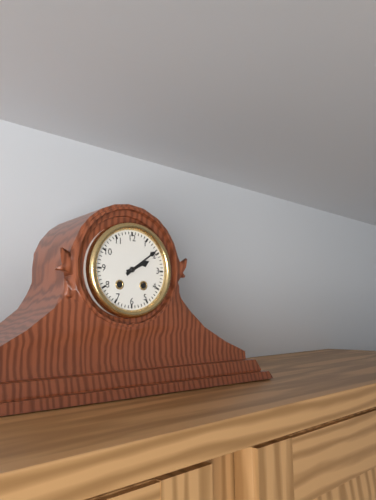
2:09
